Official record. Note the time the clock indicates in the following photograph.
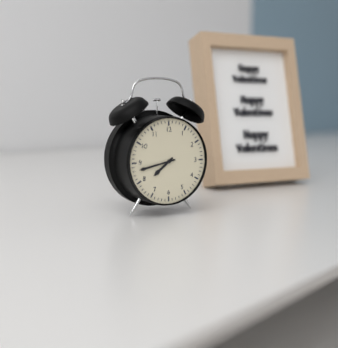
7:43
